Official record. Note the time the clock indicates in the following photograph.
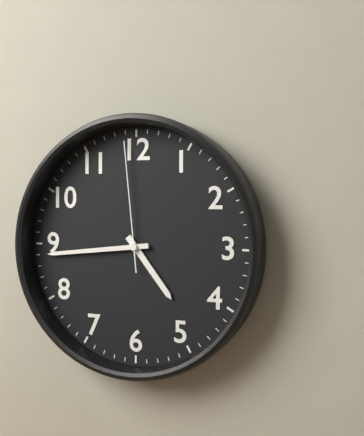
4:44:59
